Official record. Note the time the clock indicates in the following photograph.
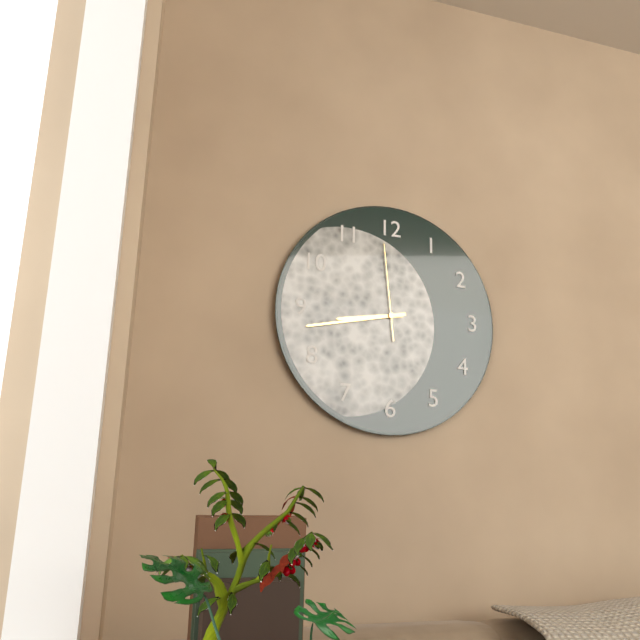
8:43:59
